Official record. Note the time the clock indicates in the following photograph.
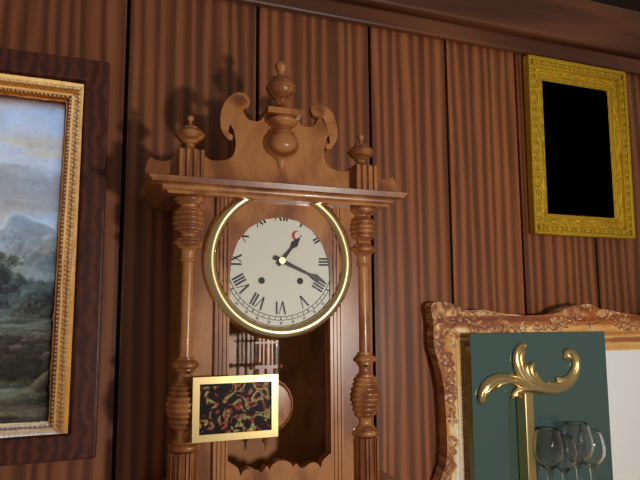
1:19
